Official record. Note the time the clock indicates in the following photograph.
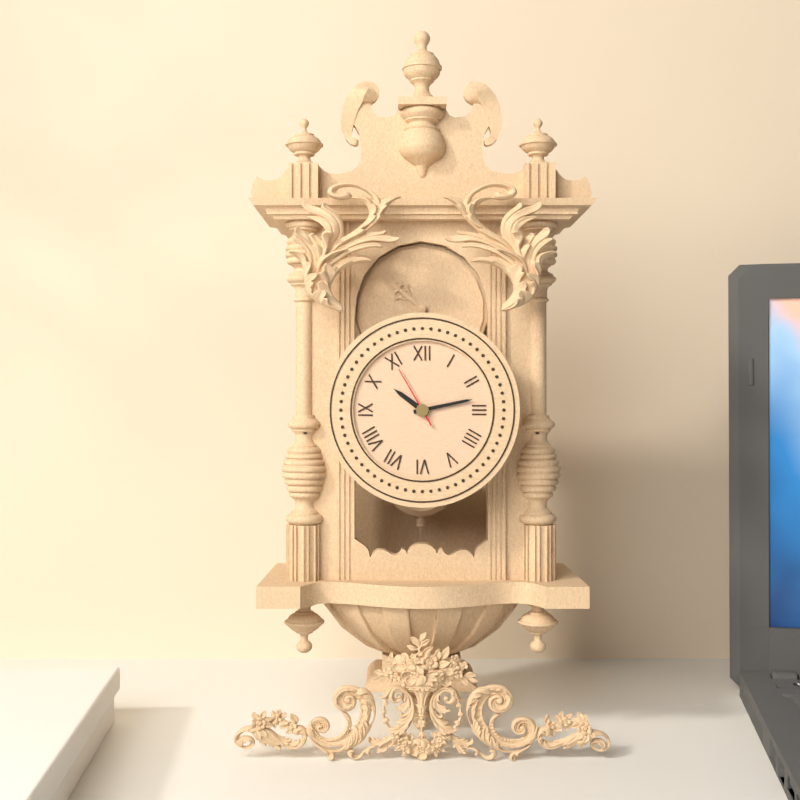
10:13:55
